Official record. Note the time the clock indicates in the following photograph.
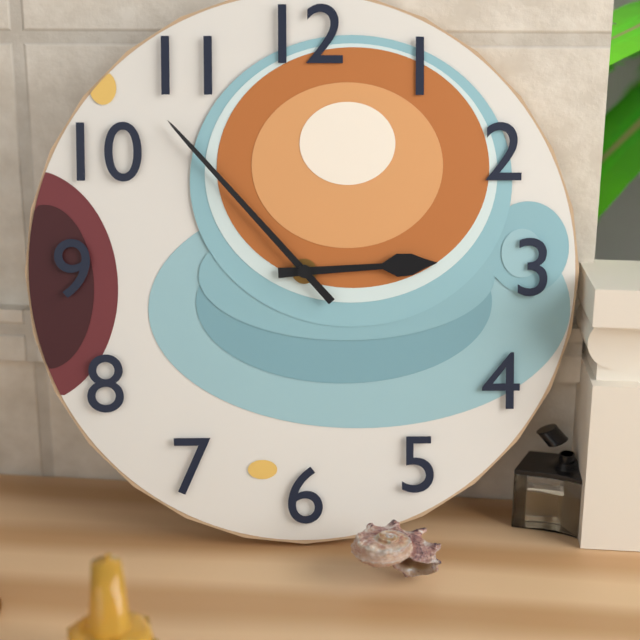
2:53
